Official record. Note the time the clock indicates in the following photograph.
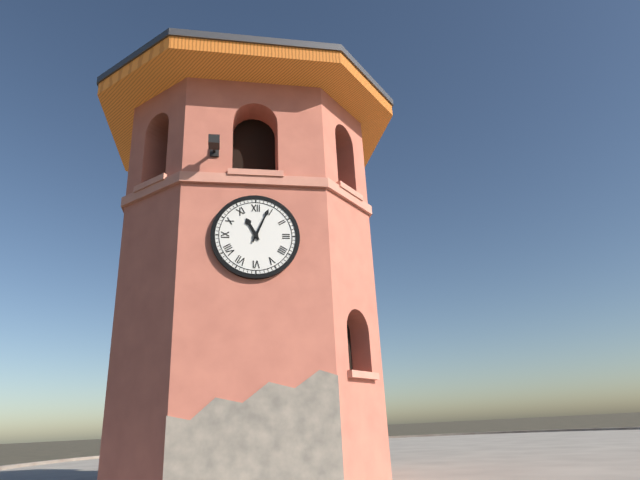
11:04
